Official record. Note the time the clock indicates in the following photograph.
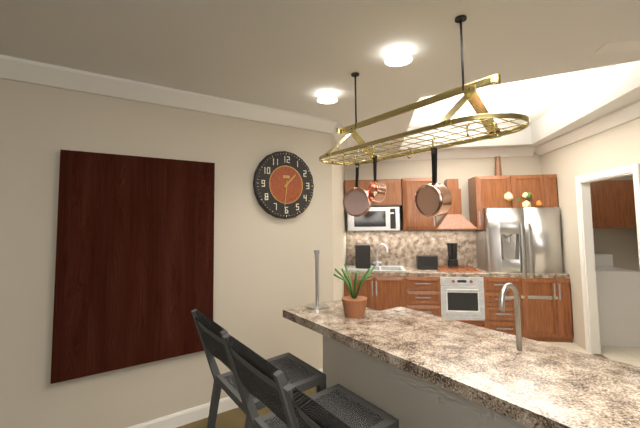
1:31
